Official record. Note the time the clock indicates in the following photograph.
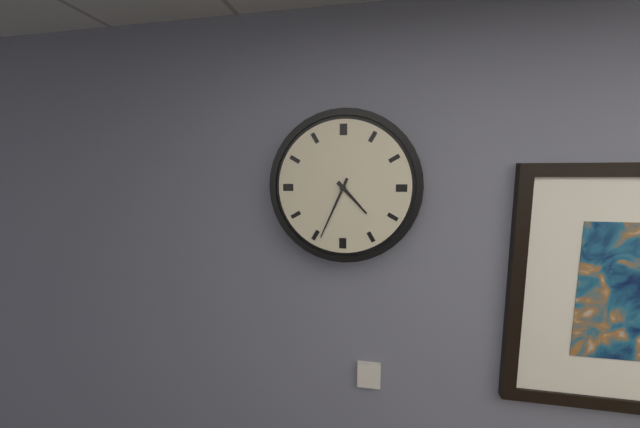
4:34
